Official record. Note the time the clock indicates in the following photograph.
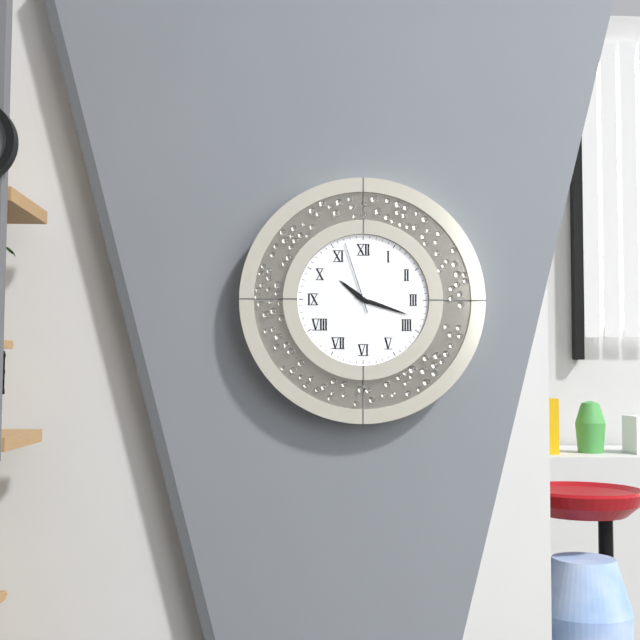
10:18:57
